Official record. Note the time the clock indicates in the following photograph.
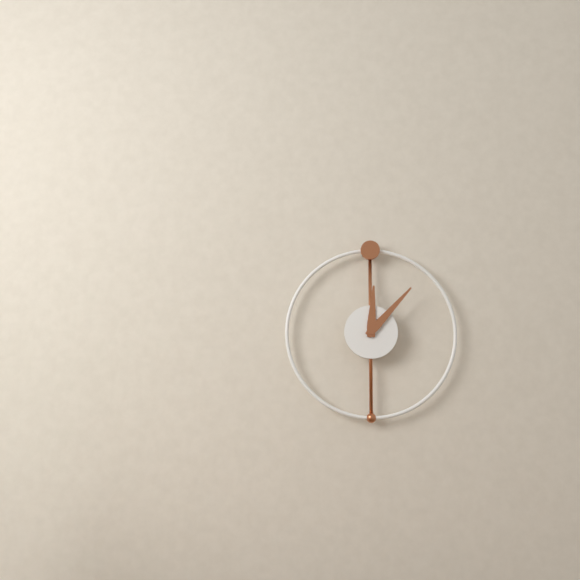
12:07
